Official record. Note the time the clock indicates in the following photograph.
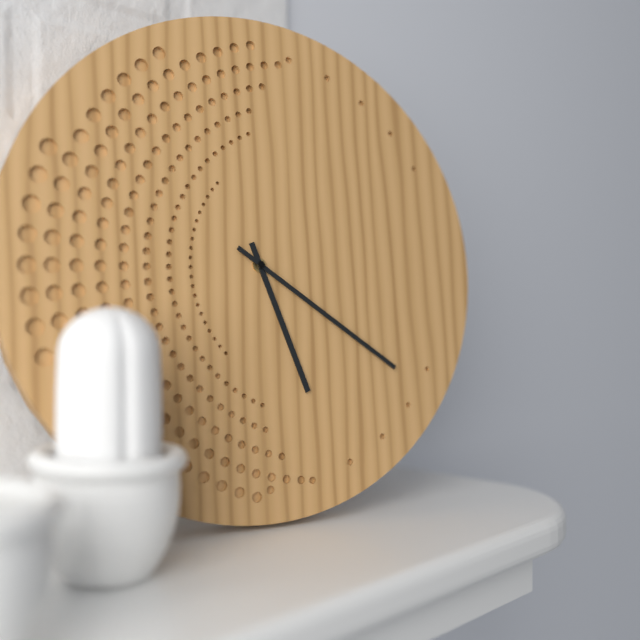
5:21
